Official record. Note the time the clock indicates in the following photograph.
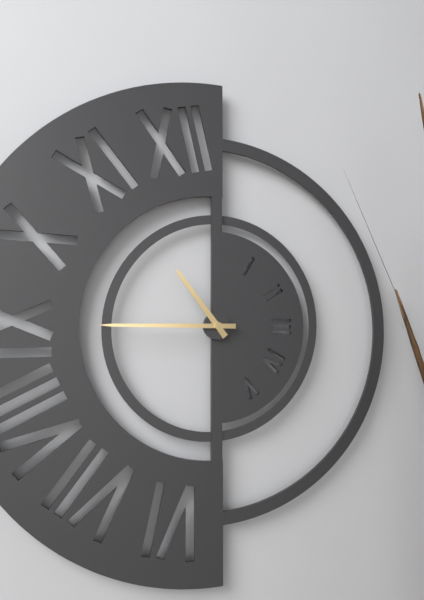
10:45
